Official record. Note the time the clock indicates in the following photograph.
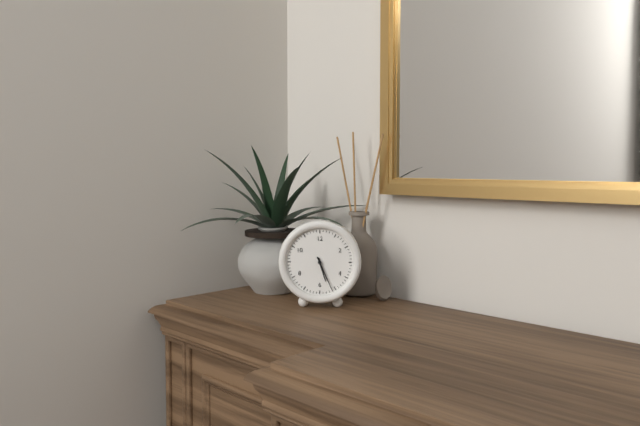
5:26
